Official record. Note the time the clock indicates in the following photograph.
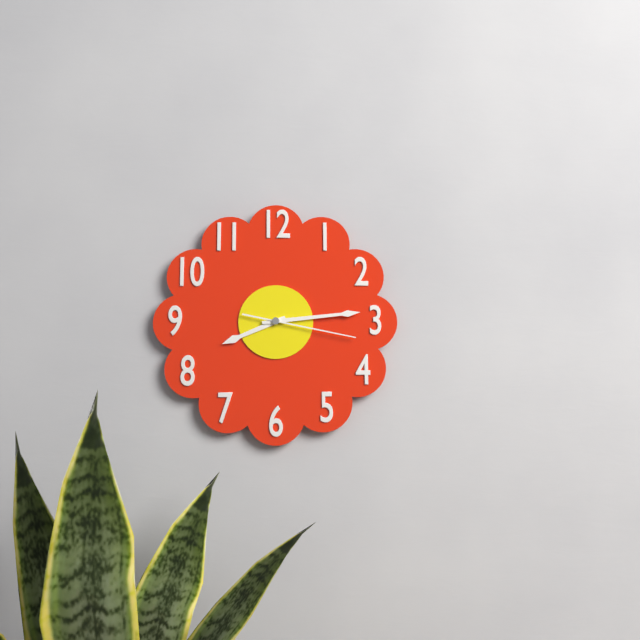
8:14:17
